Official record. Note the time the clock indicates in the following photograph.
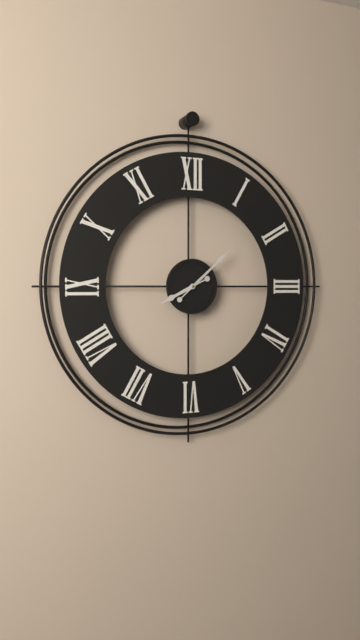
8:08
